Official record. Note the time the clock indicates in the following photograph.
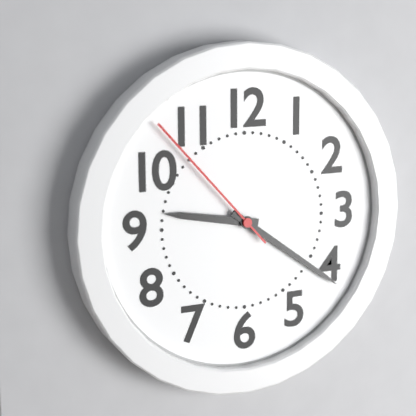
9:21:53
